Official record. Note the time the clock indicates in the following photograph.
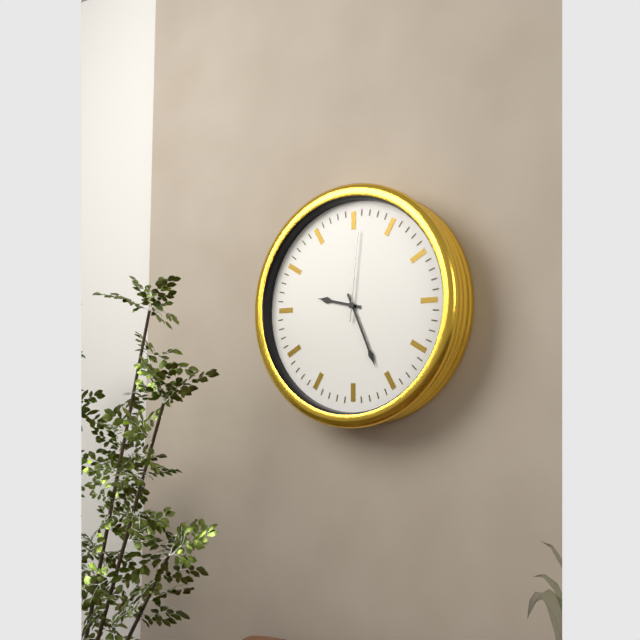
9:26:01
